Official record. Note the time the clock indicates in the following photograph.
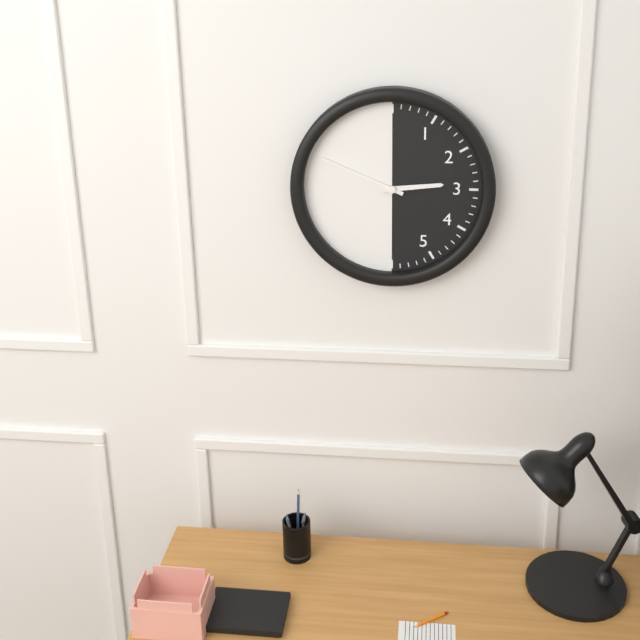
2:49
